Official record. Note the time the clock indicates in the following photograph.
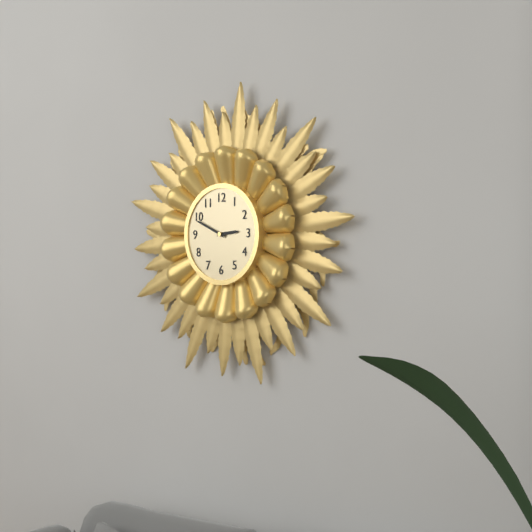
2:49
